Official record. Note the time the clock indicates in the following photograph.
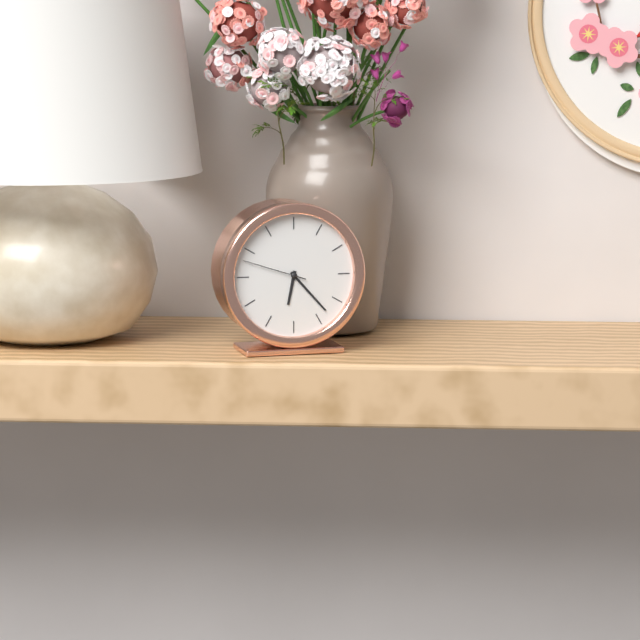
6:23:48
